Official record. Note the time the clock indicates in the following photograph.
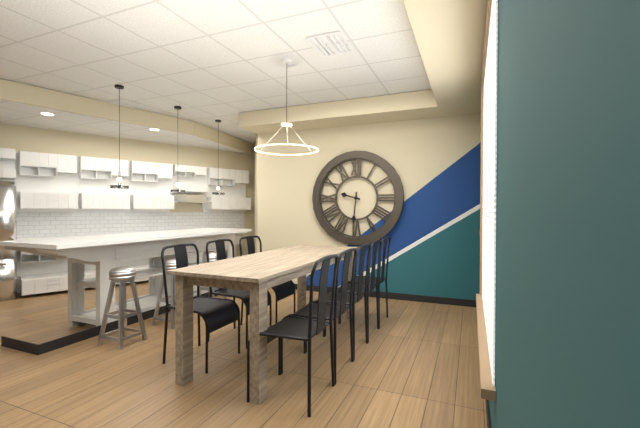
9:31
